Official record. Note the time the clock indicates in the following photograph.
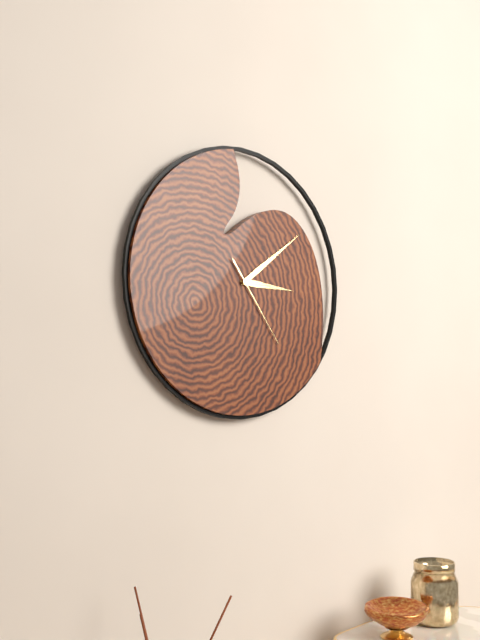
3:09:24
